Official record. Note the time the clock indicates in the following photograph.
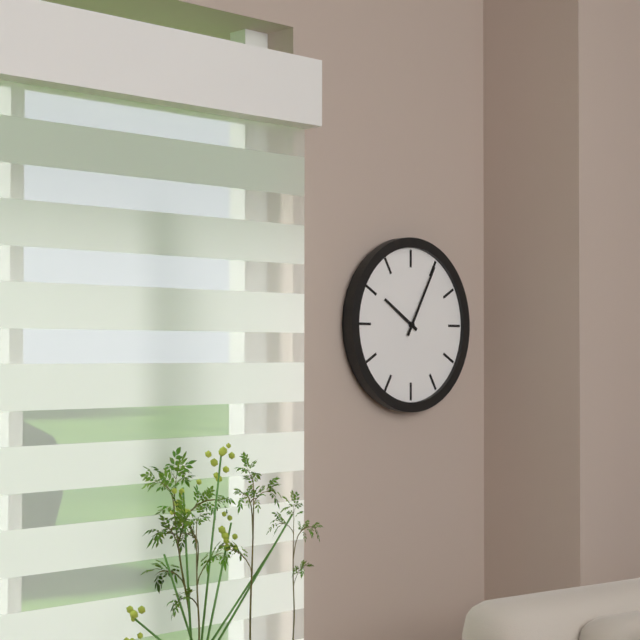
10:05
